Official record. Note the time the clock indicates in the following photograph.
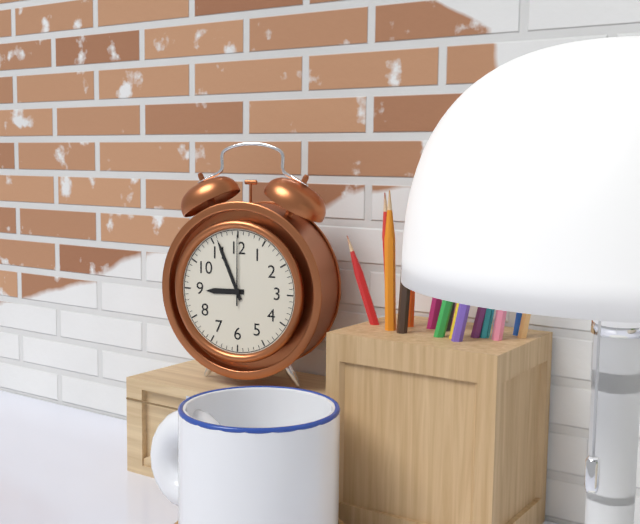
8:56:00
